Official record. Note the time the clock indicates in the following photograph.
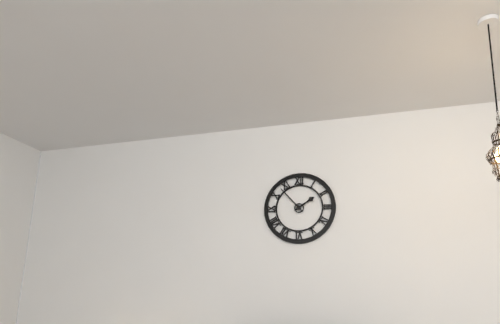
1:53
